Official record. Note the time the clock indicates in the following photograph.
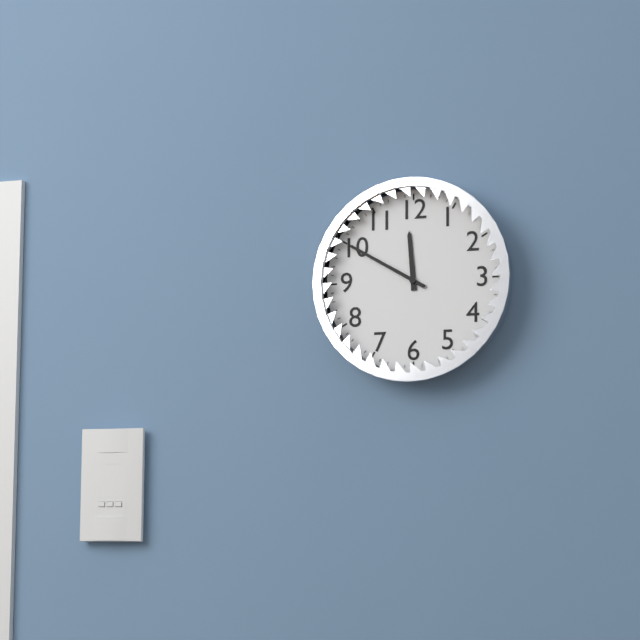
11:50
